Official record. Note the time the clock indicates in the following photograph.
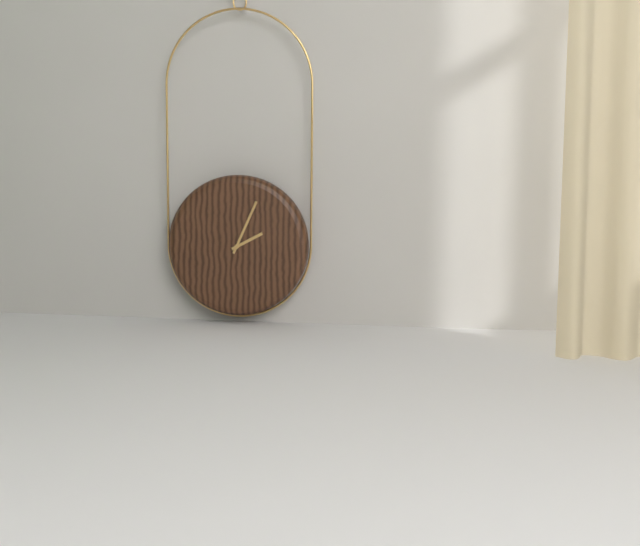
2:04
